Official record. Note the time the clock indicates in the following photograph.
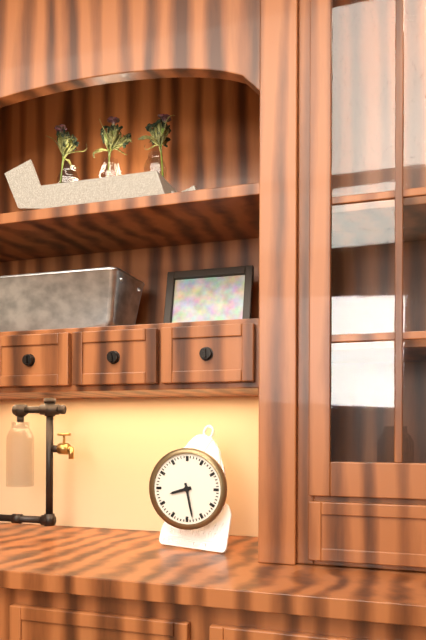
8:28
